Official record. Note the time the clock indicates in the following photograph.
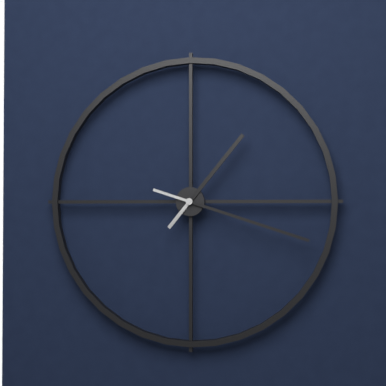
1:18
